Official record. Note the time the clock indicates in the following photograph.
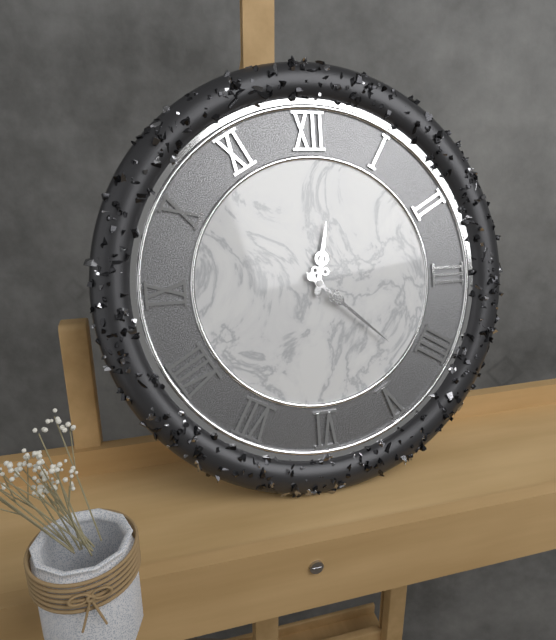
12:22
